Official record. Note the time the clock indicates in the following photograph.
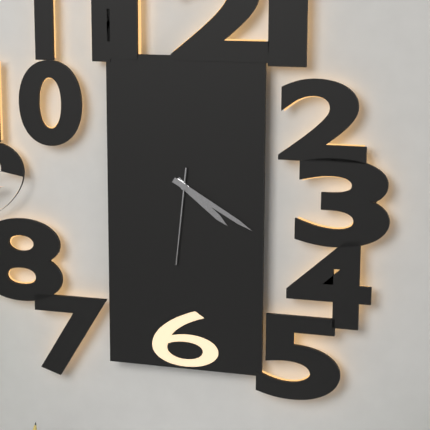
4:20:31
